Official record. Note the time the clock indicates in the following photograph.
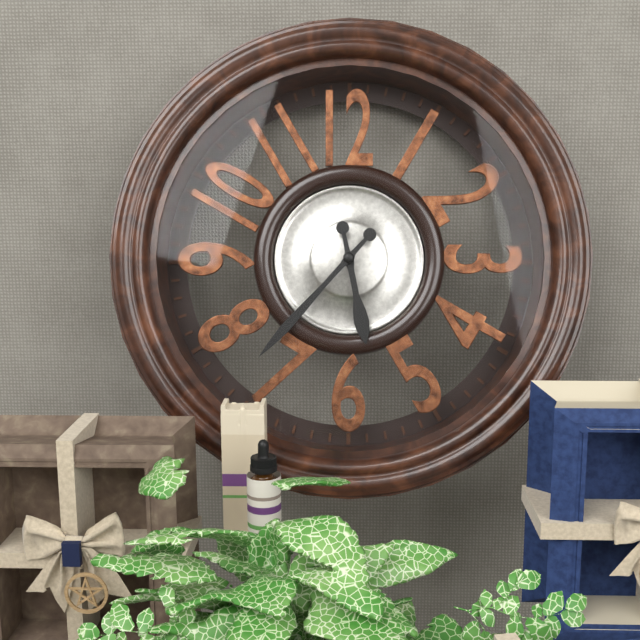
5:37
